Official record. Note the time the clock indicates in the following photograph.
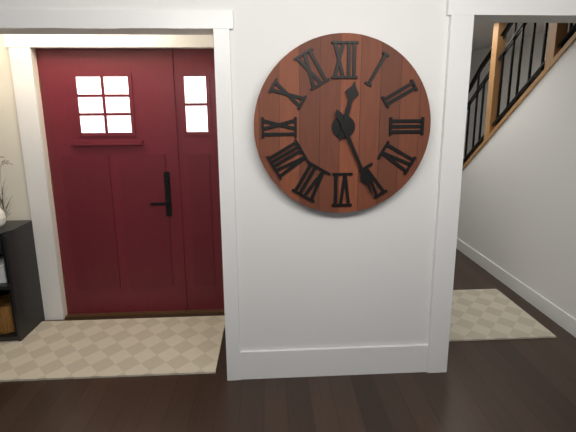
12:26
